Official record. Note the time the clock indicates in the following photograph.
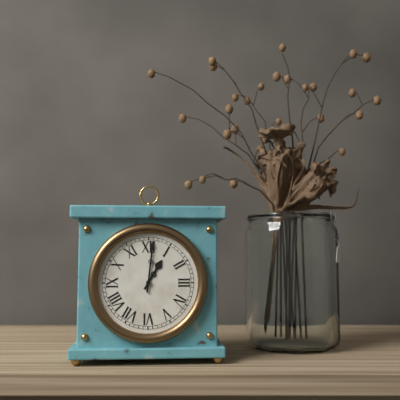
1:01
